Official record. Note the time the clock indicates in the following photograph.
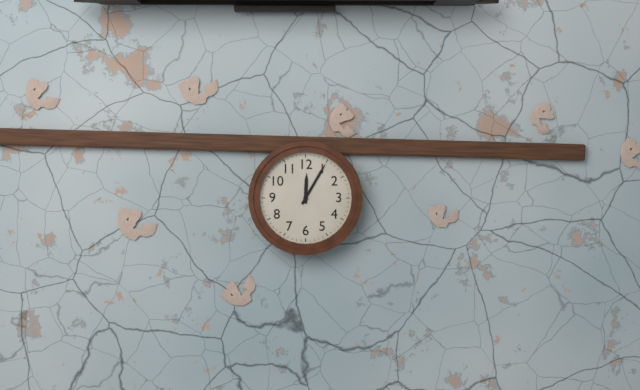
12:05
